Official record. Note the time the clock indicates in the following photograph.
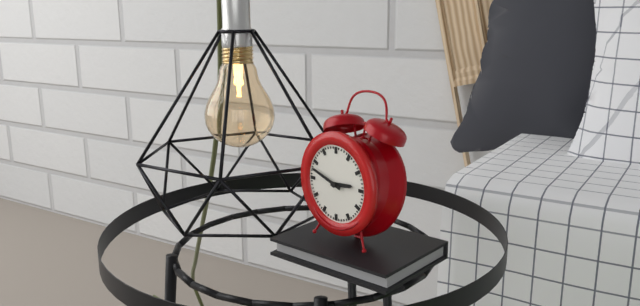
2:48
